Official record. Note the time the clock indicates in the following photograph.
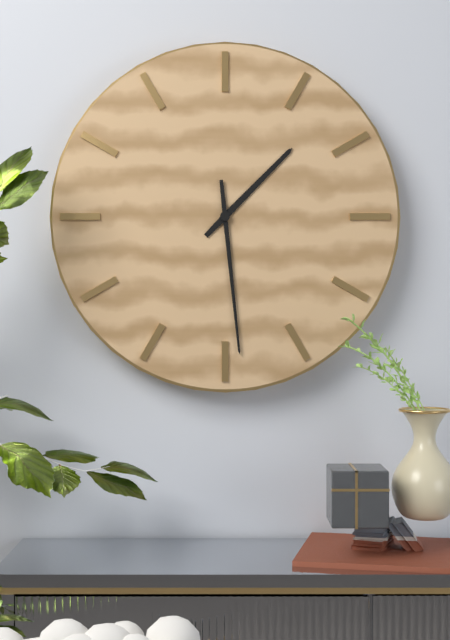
1:29
